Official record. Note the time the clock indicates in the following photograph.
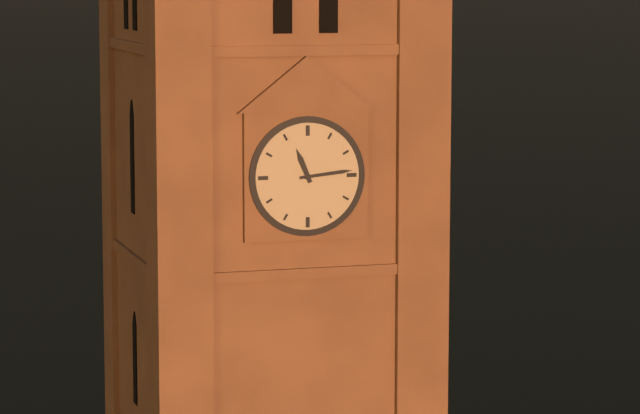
11:14
